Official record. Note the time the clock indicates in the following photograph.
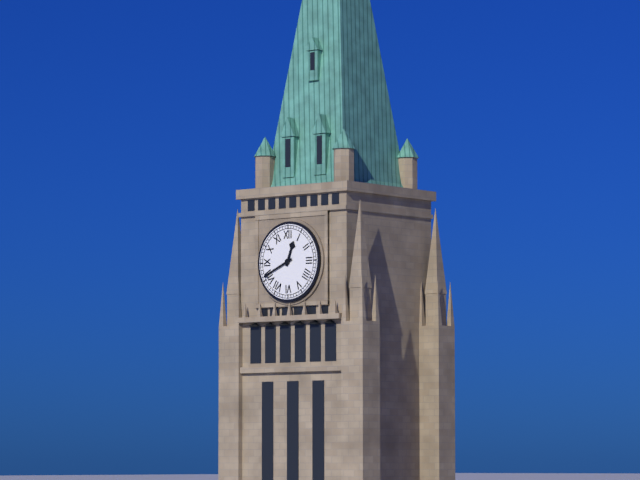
12:41
